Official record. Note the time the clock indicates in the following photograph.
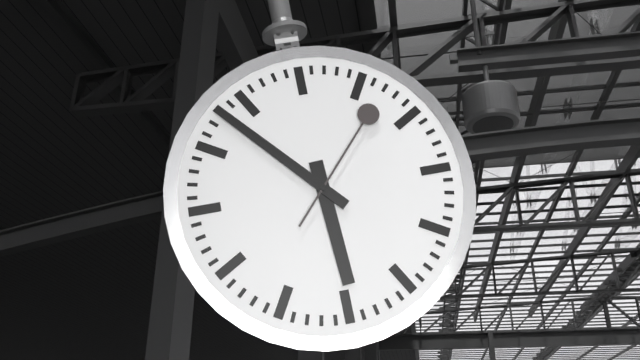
5:53:07
